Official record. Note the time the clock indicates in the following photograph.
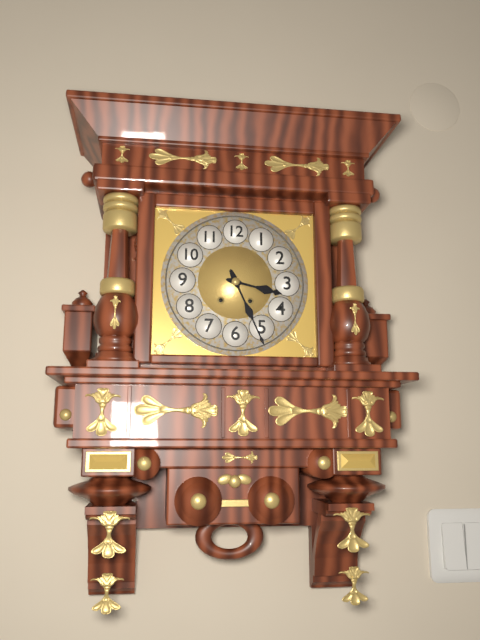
3:26
